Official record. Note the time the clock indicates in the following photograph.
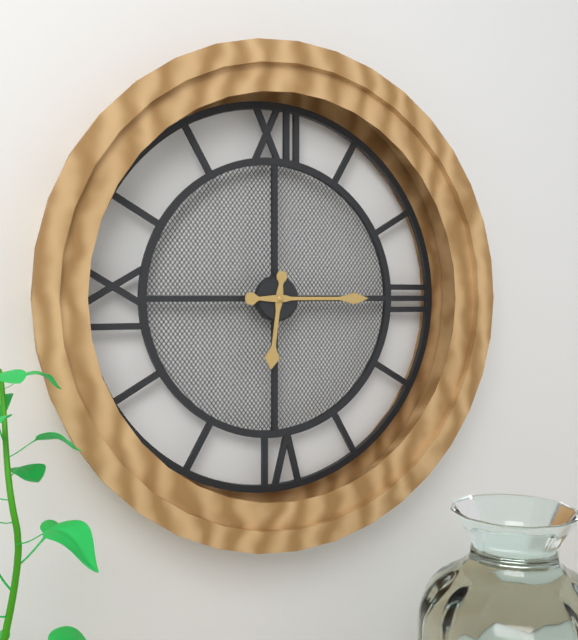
6:15
